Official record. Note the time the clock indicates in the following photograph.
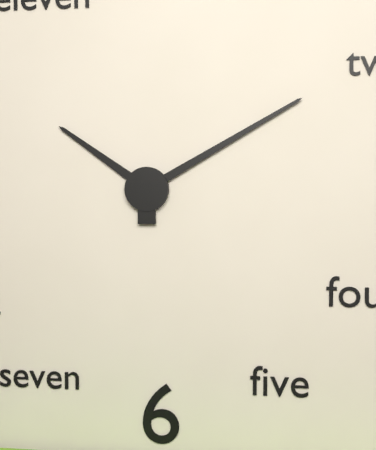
10:10
